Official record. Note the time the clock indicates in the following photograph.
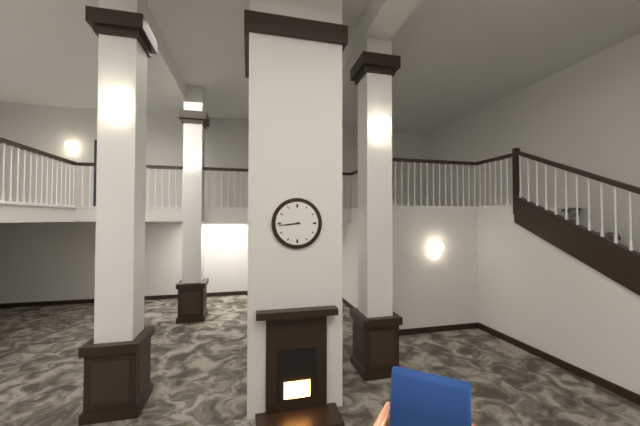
8:44
